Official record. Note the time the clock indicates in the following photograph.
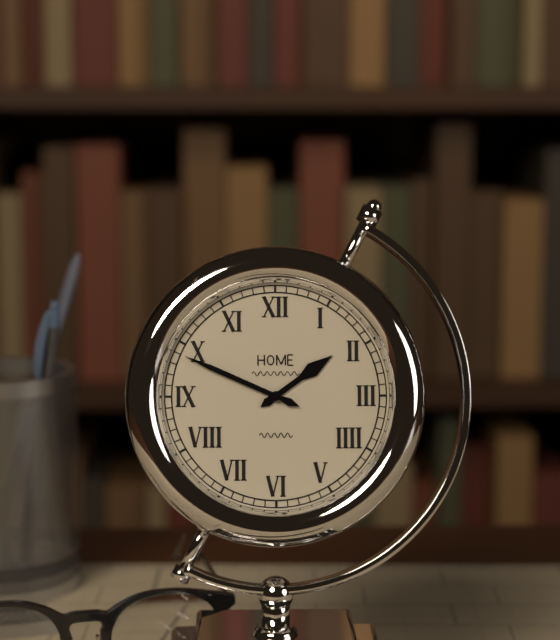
1:49
